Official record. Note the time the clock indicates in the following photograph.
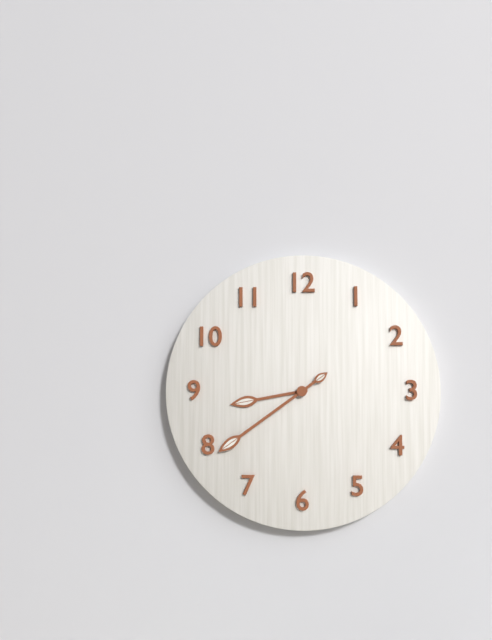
8:39
